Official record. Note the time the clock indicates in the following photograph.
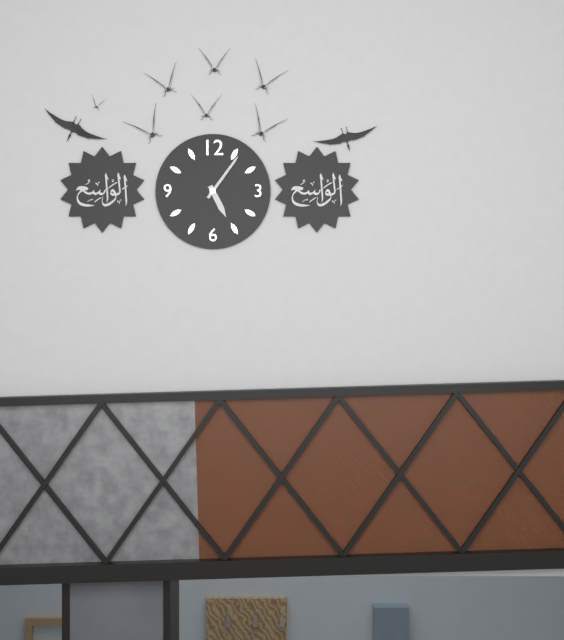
5:06
